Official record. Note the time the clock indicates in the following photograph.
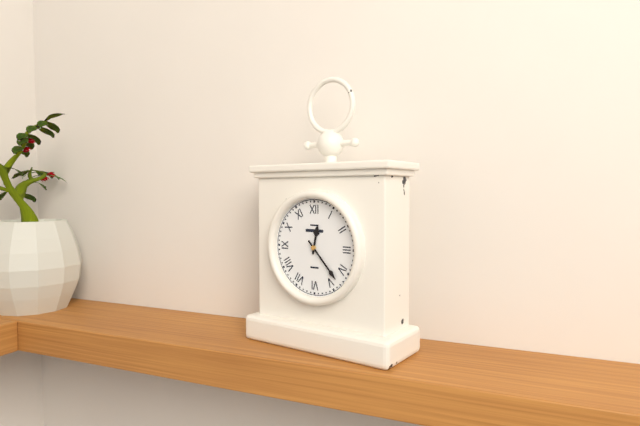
12:23
